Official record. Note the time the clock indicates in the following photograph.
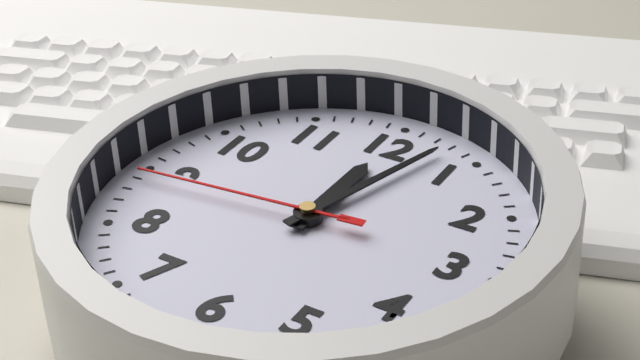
12:03:44
